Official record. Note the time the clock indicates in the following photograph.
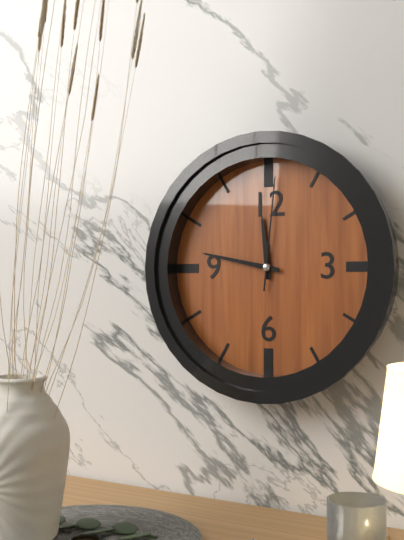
11:47:01
